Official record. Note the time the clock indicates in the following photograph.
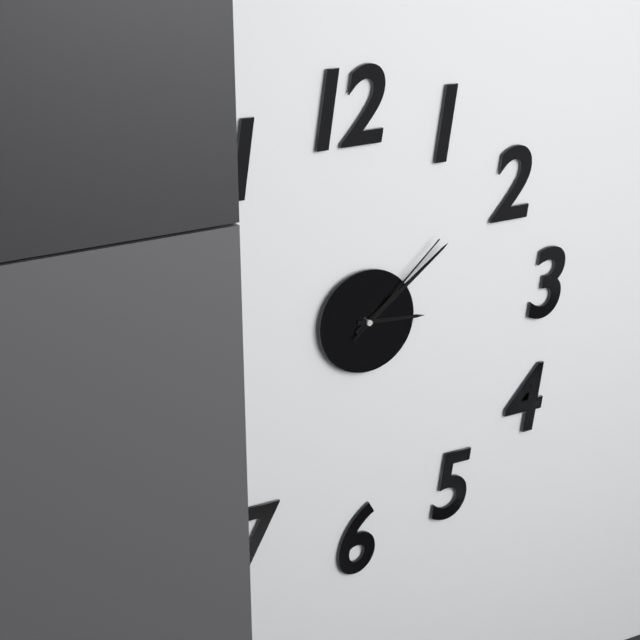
3:09:08
